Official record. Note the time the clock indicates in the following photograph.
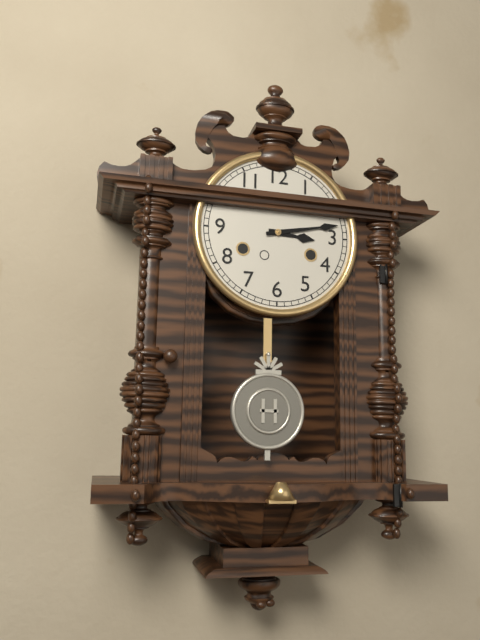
3:13
